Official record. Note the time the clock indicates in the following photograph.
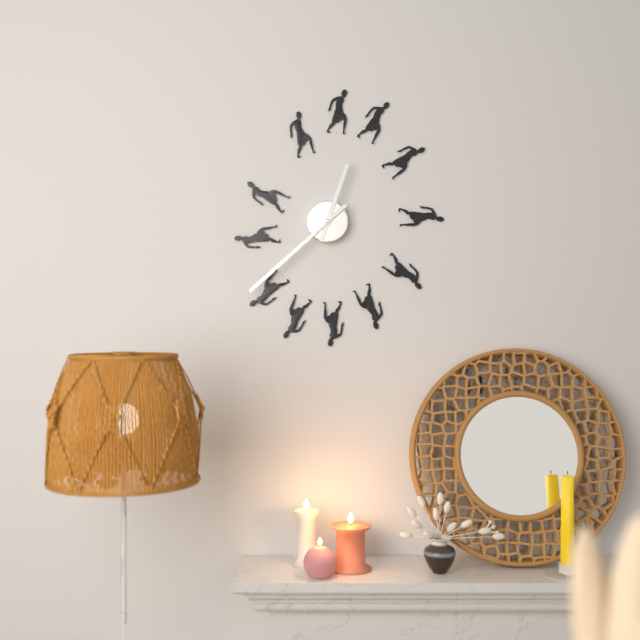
12:38
